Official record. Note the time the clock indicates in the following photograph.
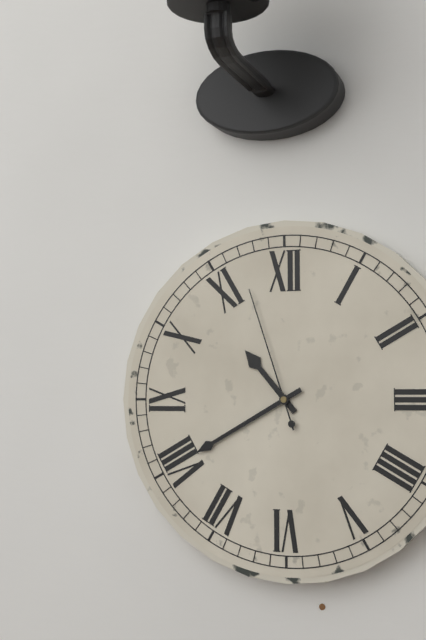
10:40:57
